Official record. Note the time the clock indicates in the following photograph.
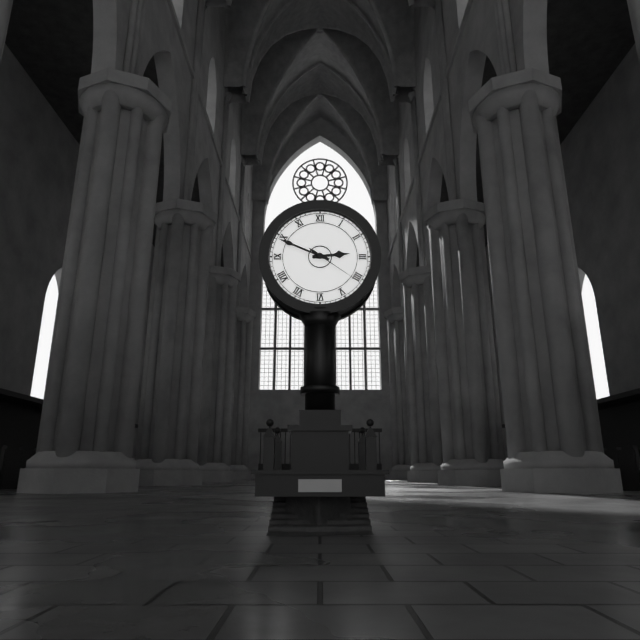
2:49:21
